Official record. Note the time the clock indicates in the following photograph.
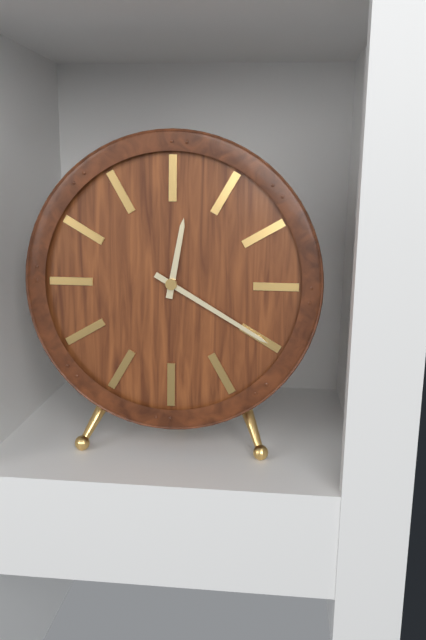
12:20
